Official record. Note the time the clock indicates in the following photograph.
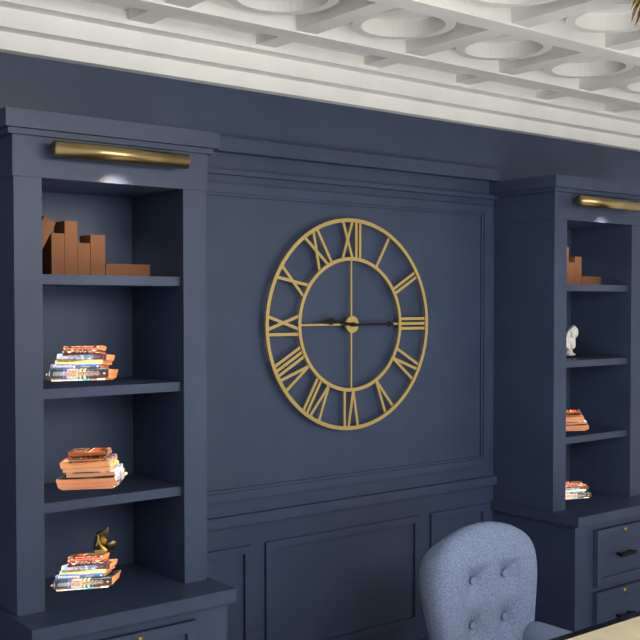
9:15
